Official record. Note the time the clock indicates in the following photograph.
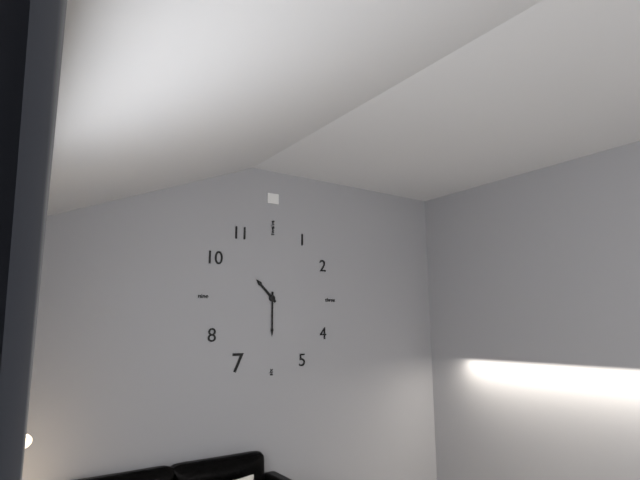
10:30
